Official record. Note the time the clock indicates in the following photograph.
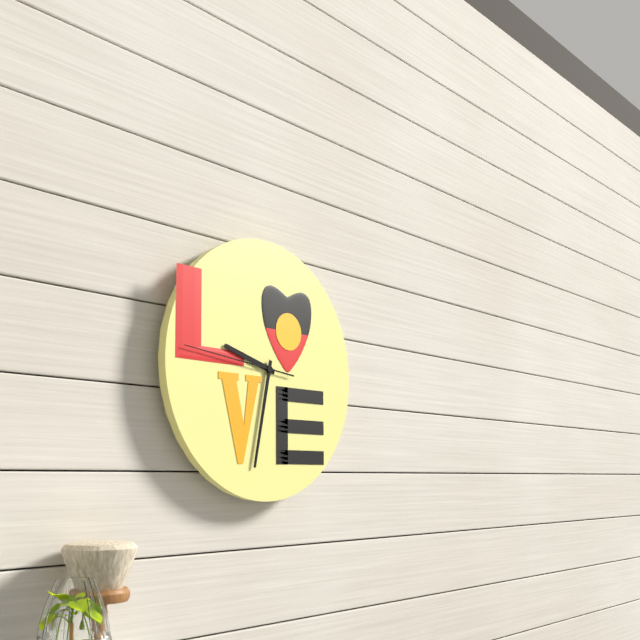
9:32:46
